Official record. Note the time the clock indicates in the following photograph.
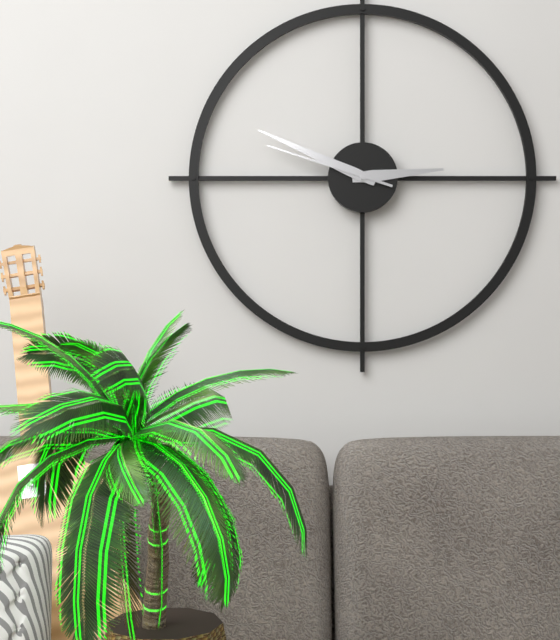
2:49:48
